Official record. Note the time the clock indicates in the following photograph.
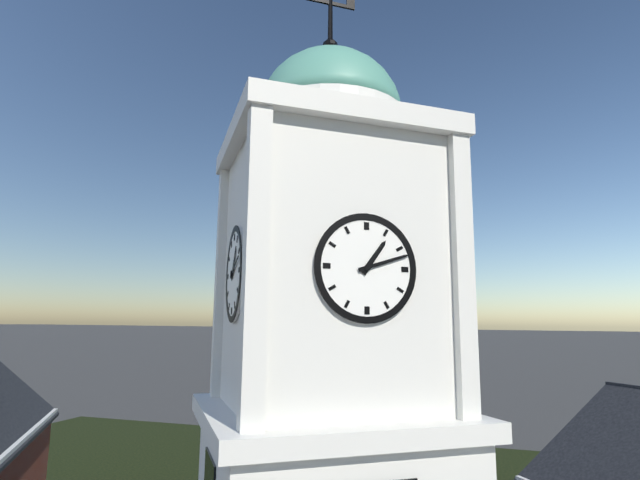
1:12
